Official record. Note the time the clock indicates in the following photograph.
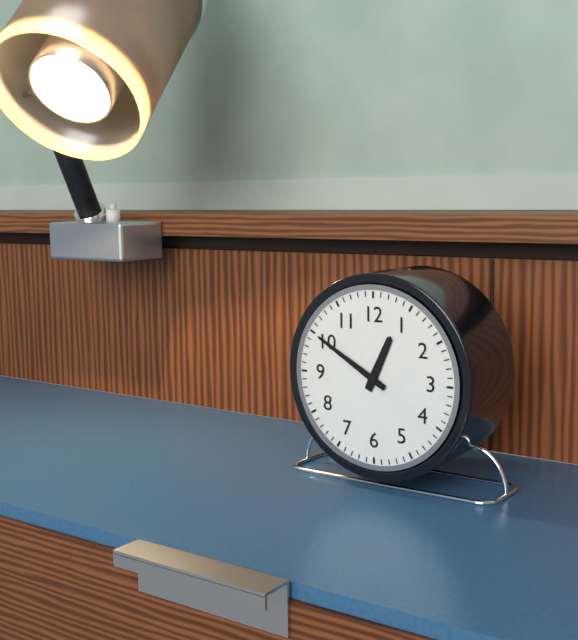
12:50
